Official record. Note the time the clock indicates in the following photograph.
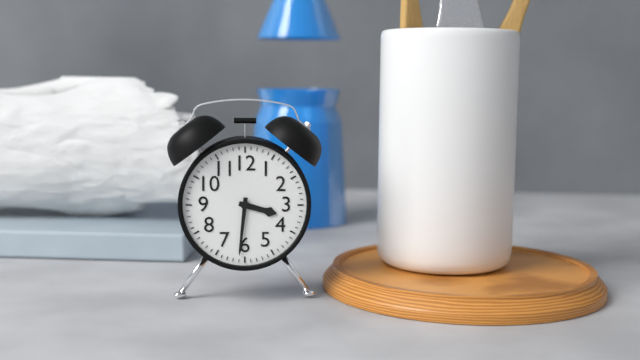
3:31
